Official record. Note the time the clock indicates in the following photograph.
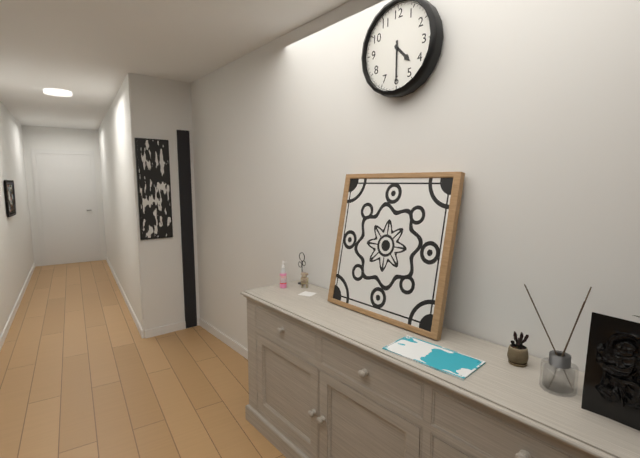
4:30
